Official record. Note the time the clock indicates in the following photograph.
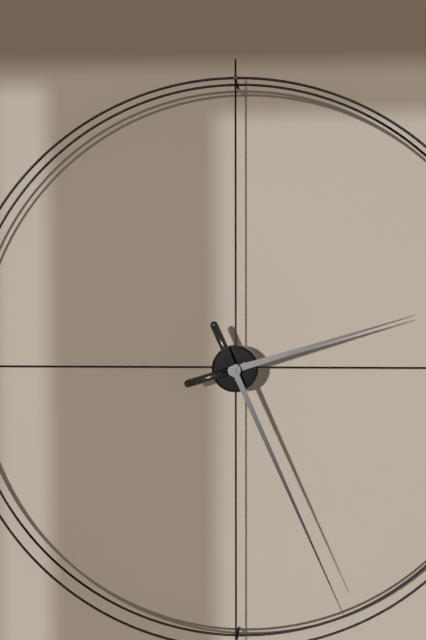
2:26
